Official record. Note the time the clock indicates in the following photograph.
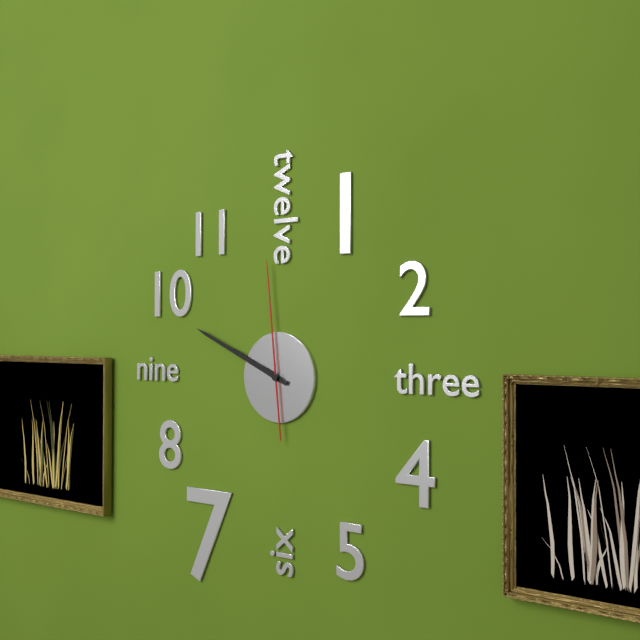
9:49:59
